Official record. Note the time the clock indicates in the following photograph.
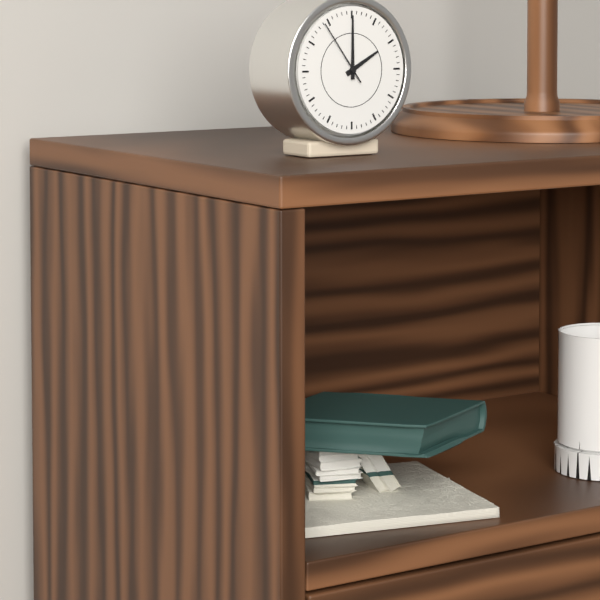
2:00:54
